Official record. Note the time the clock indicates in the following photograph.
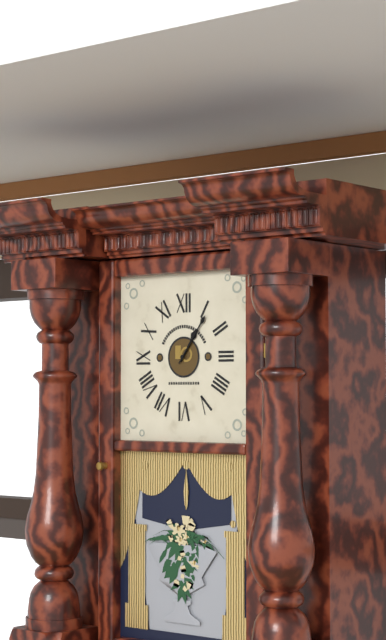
1:06
